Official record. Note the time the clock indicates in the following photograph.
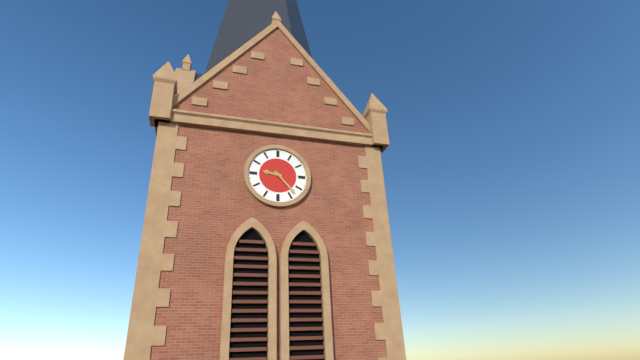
9:23
